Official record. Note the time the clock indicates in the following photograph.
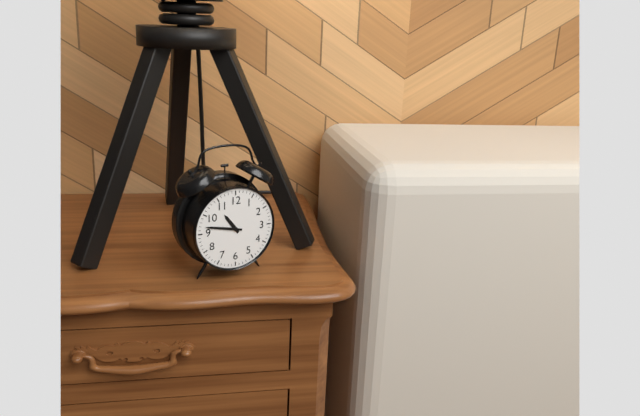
10:47
